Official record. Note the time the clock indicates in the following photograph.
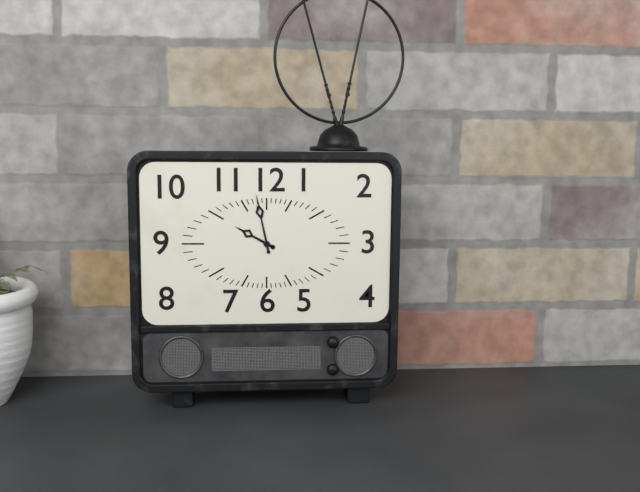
9:58
